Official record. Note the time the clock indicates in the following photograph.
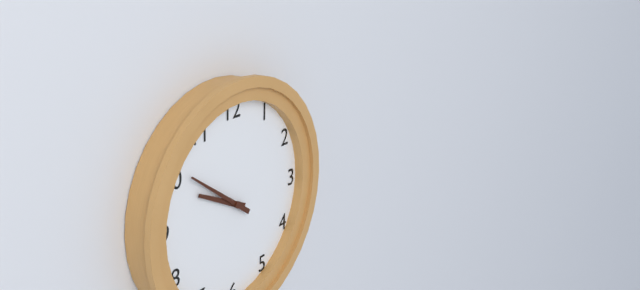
9:51
